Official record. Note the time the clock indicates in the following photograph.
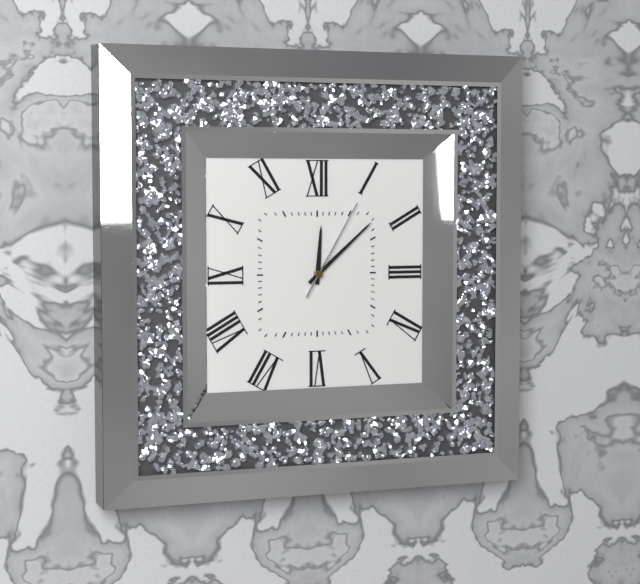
12:08:05
